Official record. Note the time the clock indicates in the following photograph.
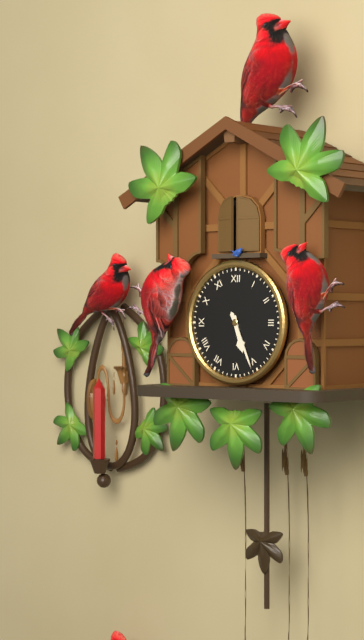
5:26
